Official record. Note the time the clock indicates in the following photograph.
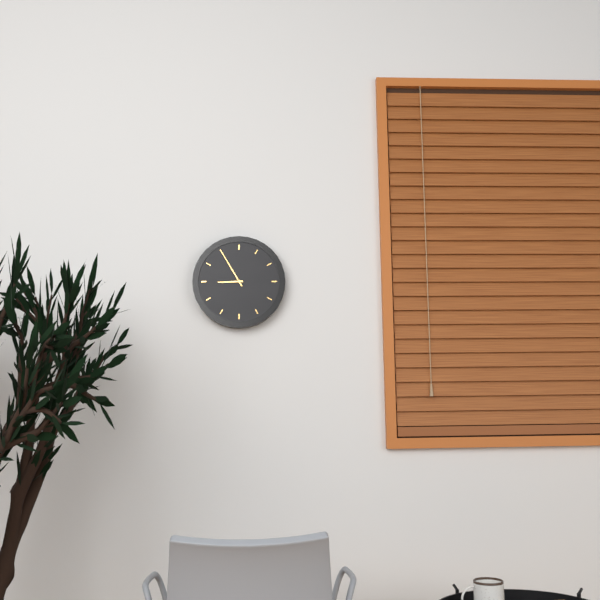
8:55
